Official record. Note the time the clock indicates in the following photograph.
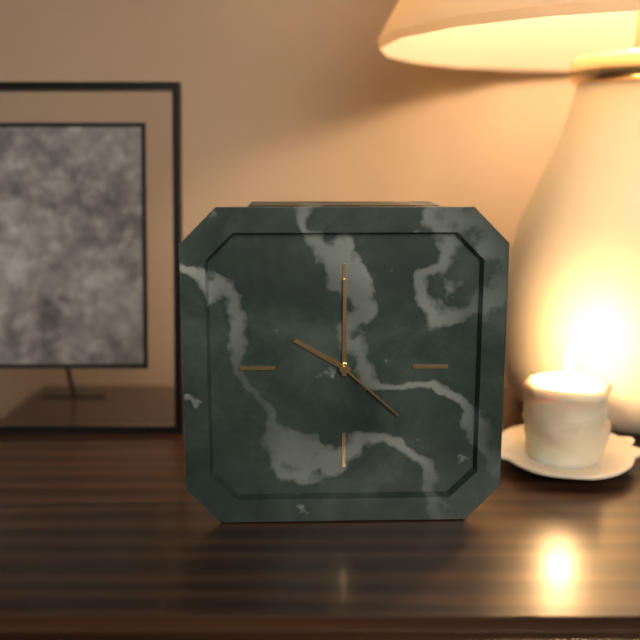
10:00:22
